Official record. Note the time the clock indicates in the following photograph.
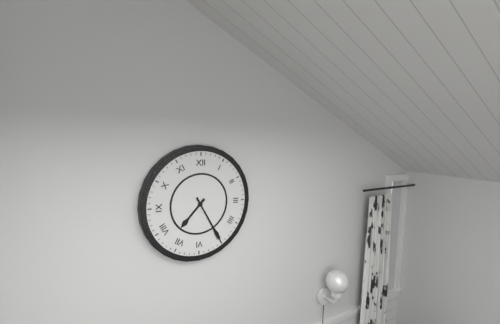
7:25
